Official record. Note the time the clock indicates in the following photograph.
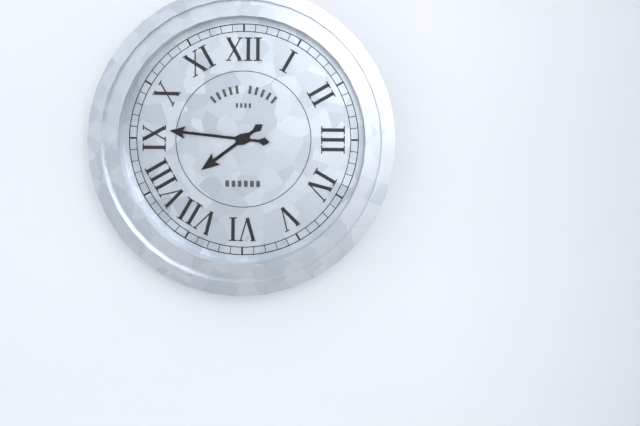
7:46
